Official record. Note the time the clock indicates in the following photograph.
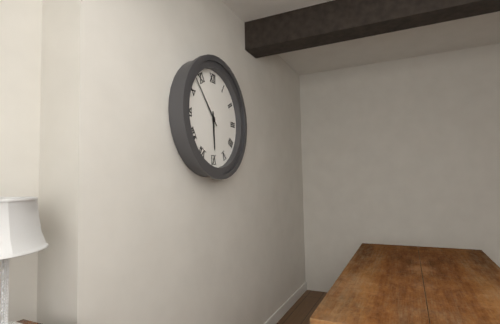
5:53
